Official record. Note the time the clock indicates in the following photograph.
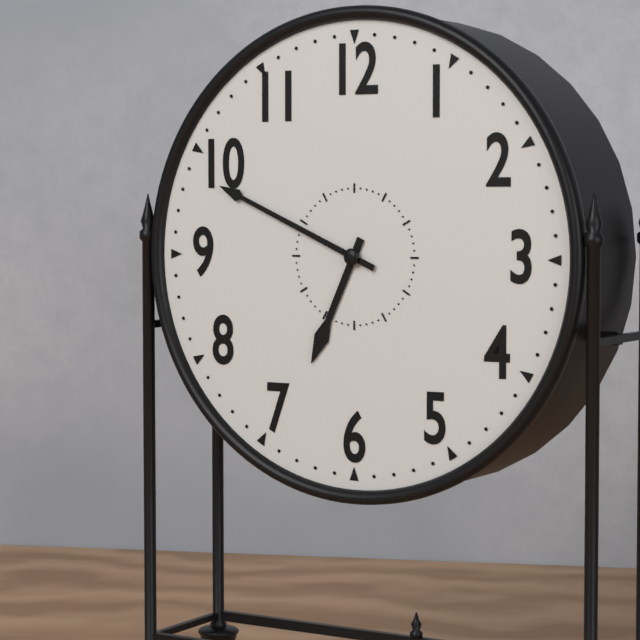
6:49
